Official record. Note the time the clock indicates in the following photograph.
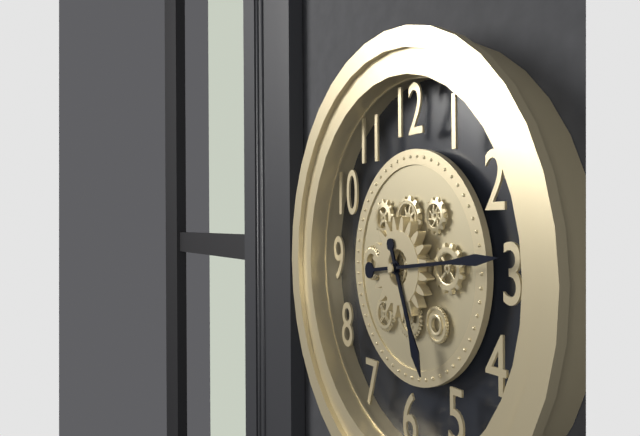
5:14
